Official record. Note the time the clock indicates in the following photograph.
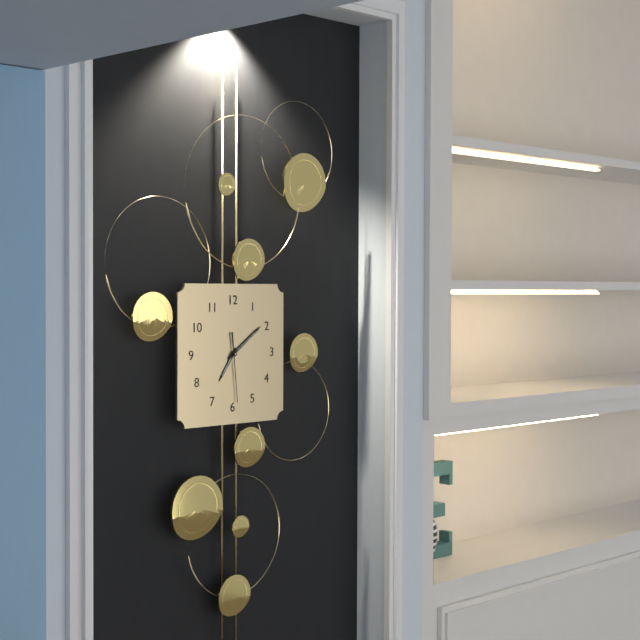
7:09:29
